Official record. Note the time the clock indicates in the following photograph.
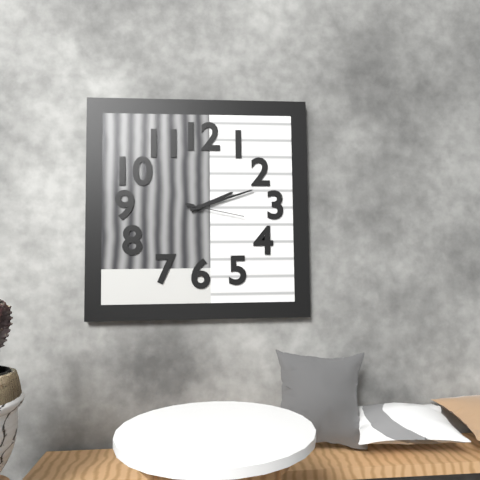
2:12:17
